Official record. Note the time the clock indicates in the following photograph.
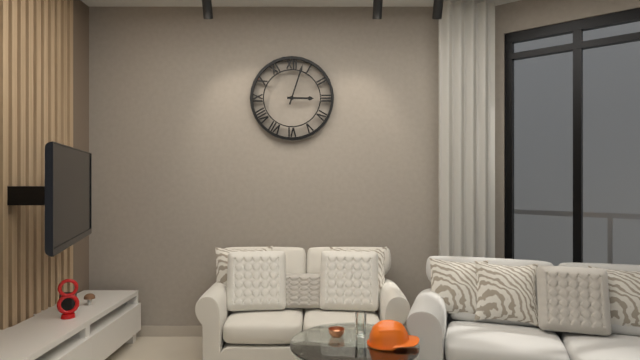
3:03
